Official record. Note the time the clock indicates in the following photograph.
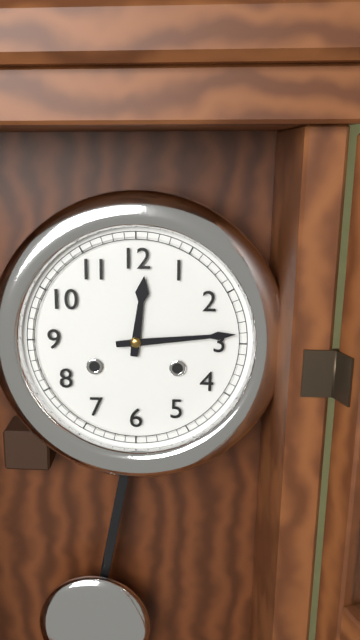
12:14
